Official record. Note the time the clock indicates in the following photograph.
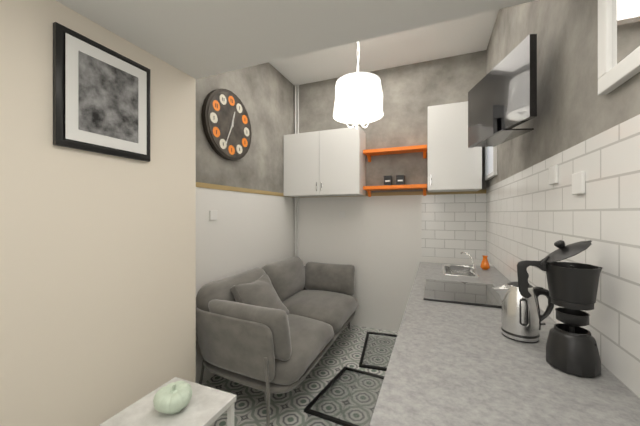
12:34
